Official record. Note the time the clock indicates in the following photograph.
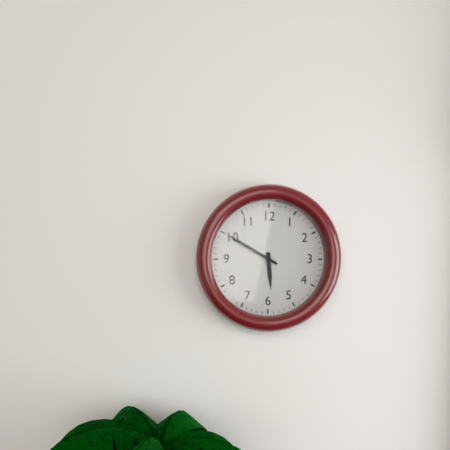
5:50
